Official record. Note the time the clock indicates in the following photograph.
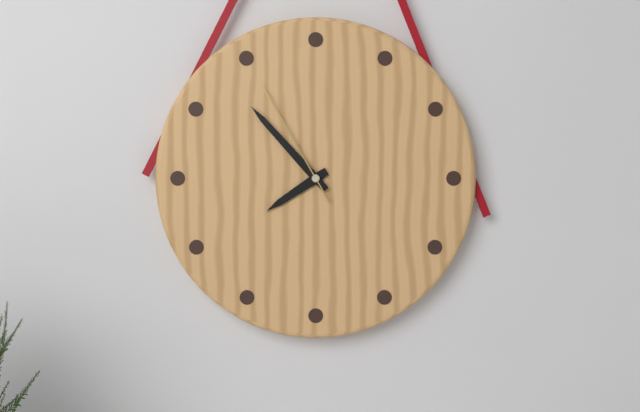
7:53:55
